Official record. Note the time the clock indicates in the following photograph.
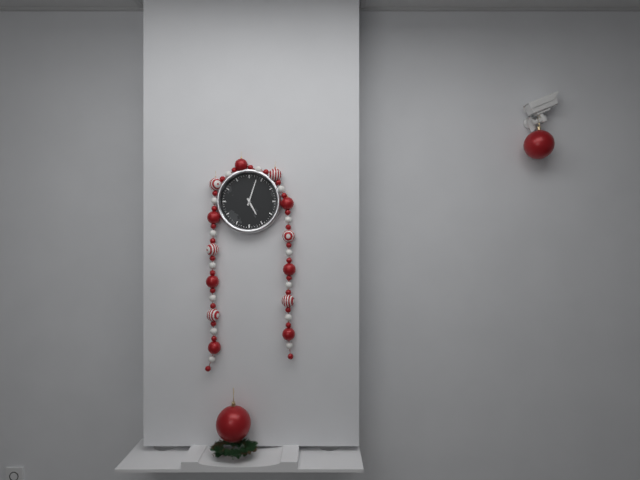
5:03
